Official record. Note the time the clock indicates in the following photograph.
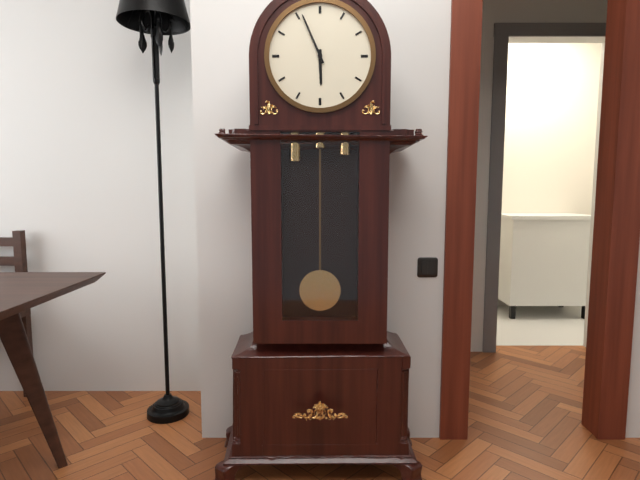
5:56
